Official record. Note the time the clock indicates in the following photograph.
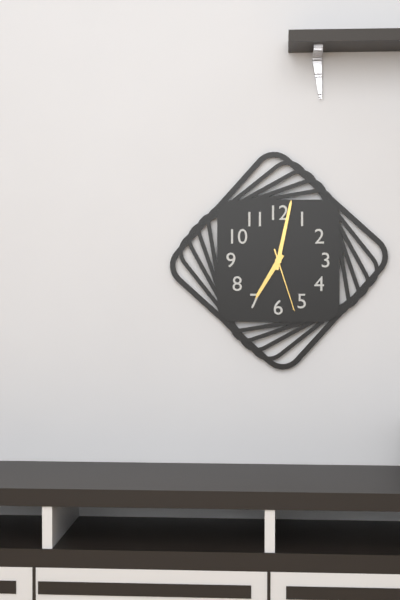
7:02:27
